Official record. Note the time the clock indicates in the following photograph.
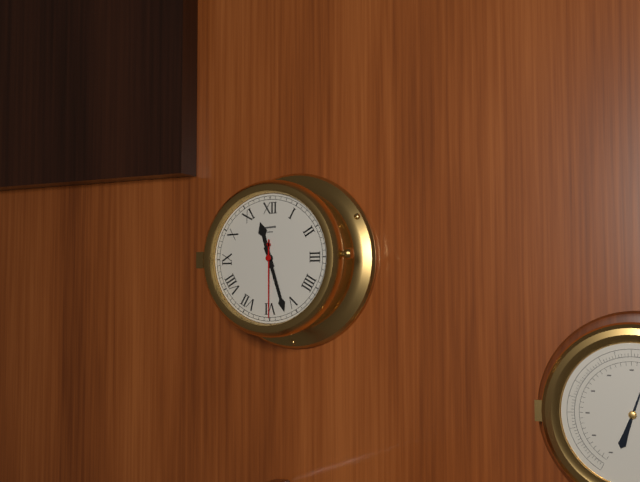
11:27:30
